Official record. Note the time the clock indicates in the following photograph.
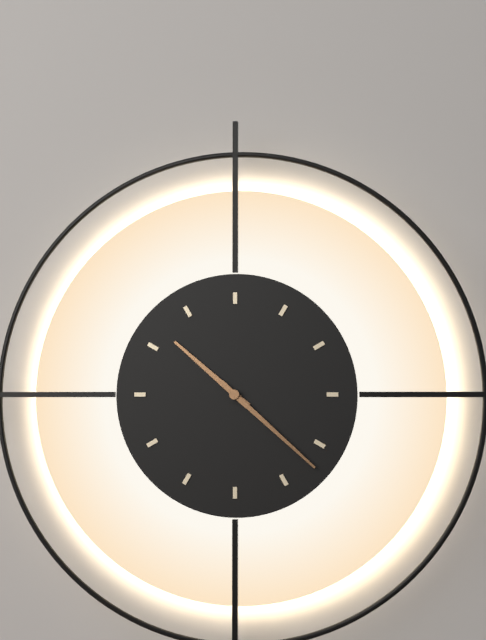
10:22
